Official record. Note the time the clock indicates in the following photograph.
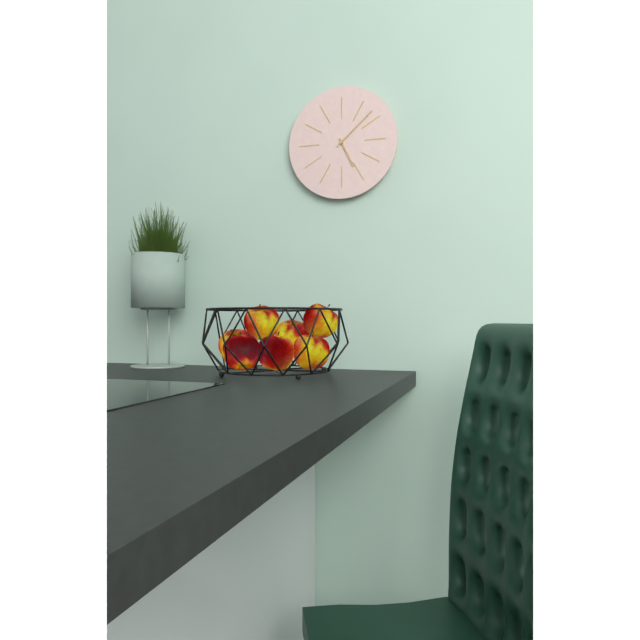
5:08
